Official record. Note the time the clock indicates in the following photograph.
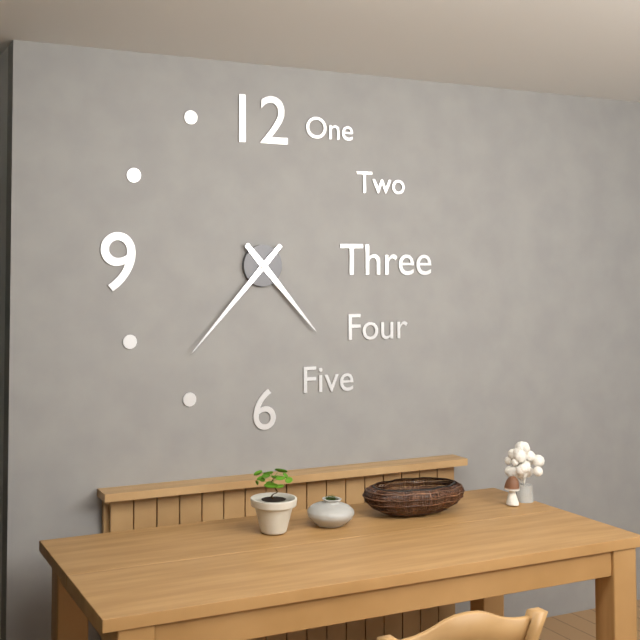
4:37
